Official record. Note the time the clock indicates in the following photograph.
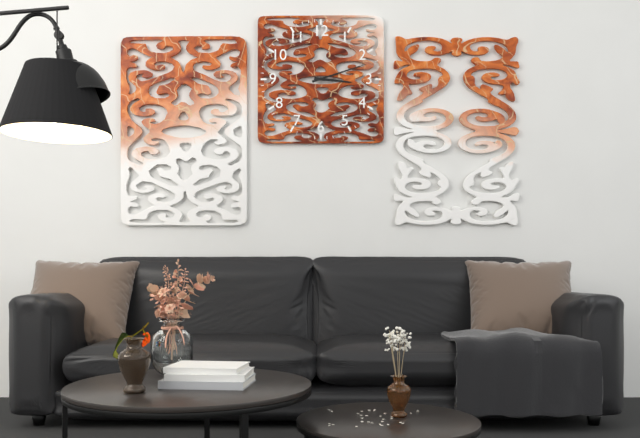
3:12
